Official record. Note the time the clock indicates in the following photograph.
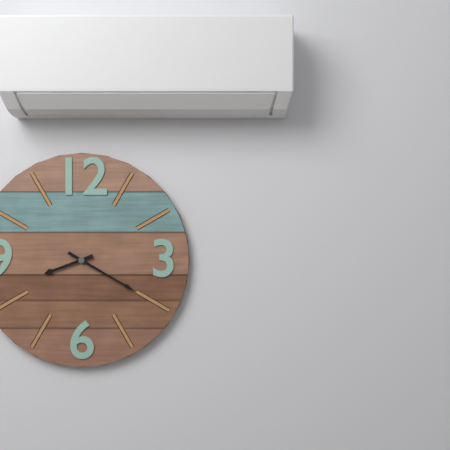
8:20
